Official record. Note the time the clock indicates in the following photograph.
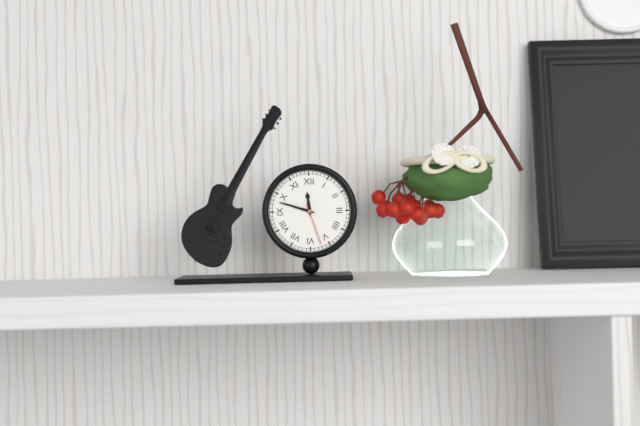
11:48
